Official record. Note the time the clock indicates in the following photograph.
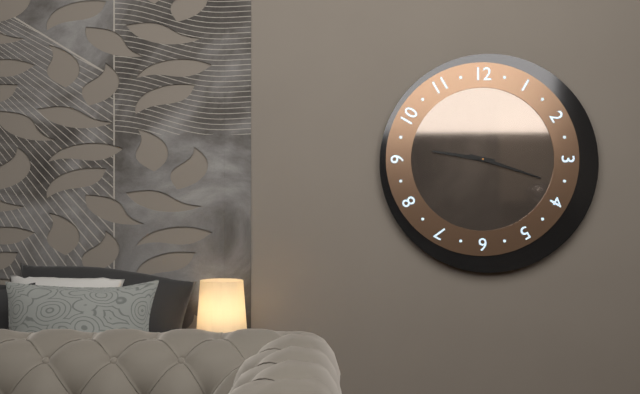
9:18
